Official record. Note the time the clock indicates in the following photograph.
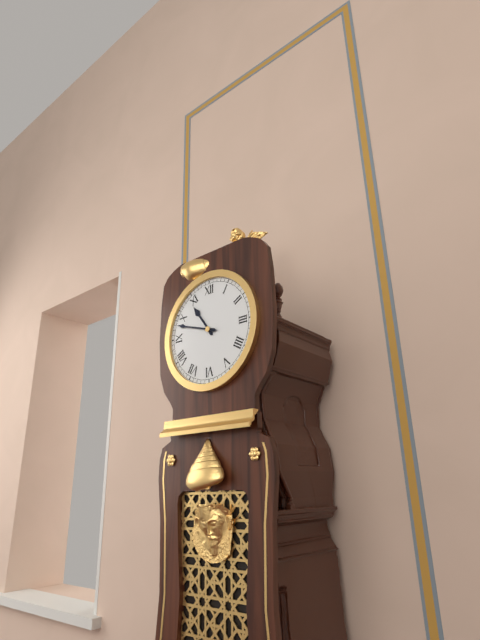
10:48
